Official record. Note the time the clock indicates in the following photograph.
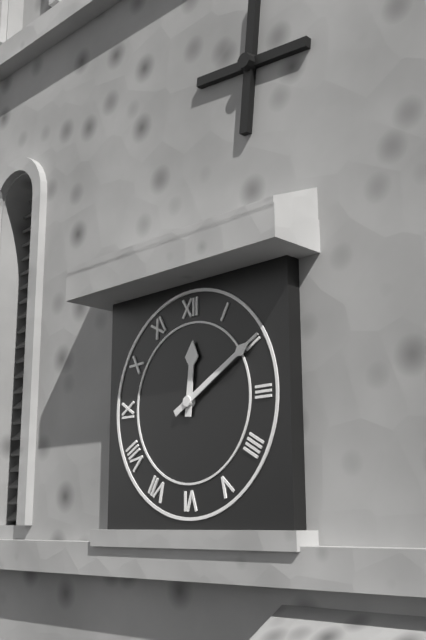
12:10
